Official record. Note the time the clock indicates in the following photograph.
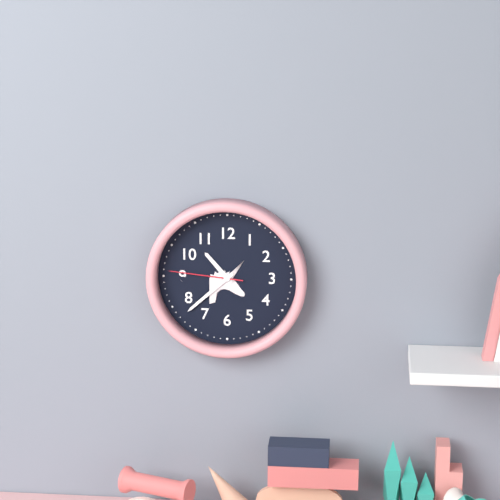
10:38:46
